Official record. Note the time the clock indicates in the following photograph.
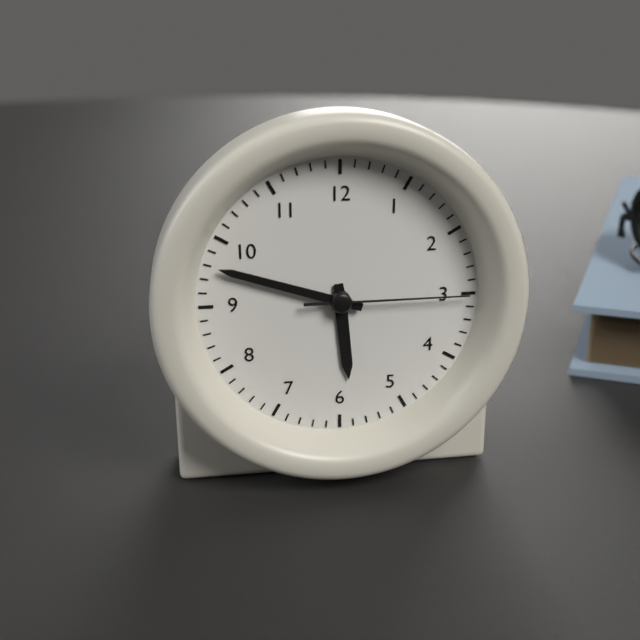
5:48:15
